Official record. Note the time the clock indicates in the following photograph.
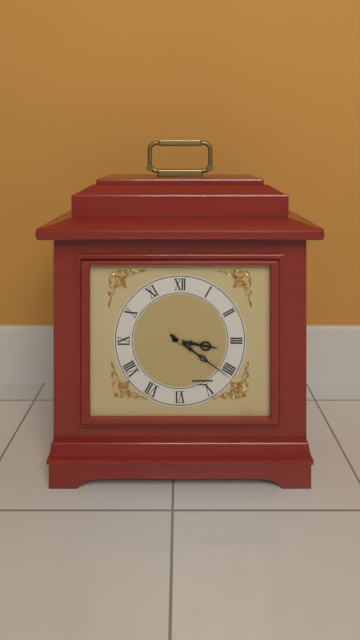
3:21
